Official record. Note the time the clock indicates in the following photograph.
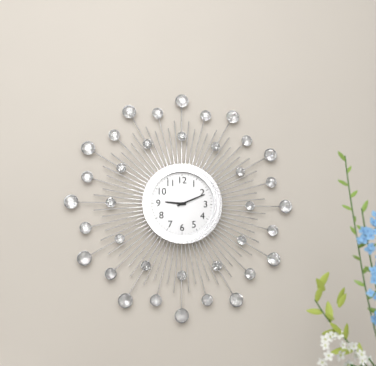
9:11
